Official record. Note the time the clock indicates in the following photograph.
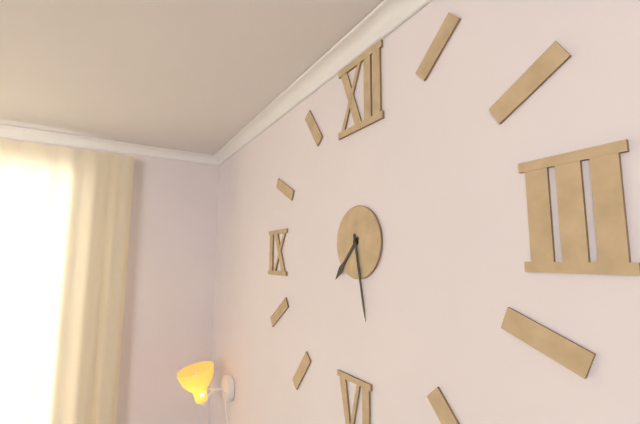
7:28
